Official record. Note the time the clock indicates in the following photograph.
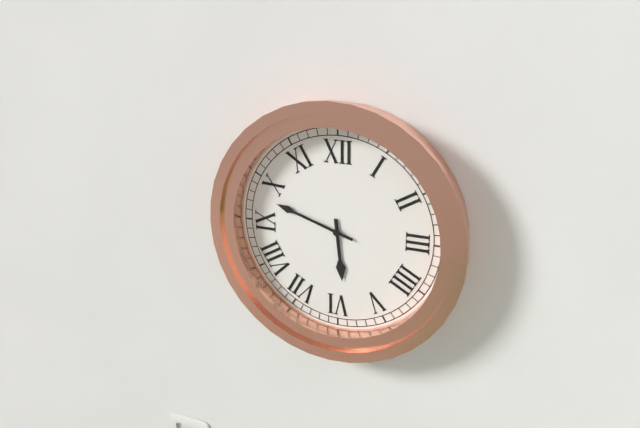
5:48
